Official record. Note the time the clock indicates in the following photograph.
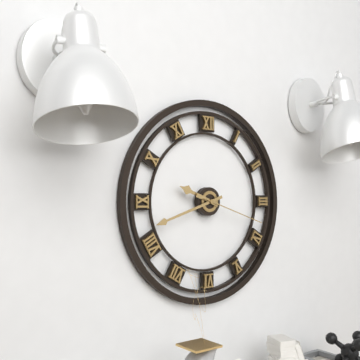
9:42:18
